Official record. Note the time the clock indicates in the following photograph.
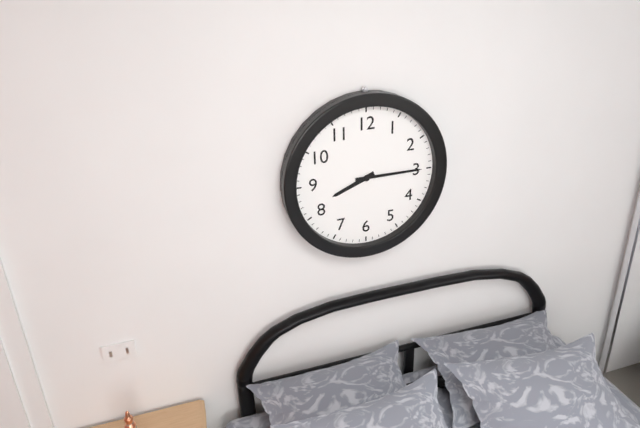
8:15
